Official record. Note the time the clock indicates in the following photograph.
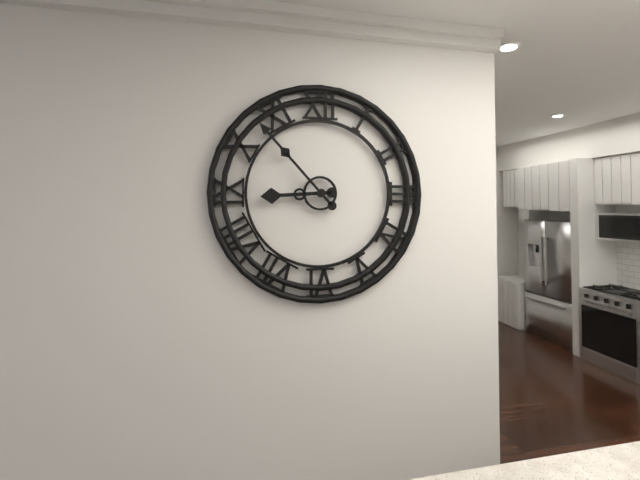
8:53
